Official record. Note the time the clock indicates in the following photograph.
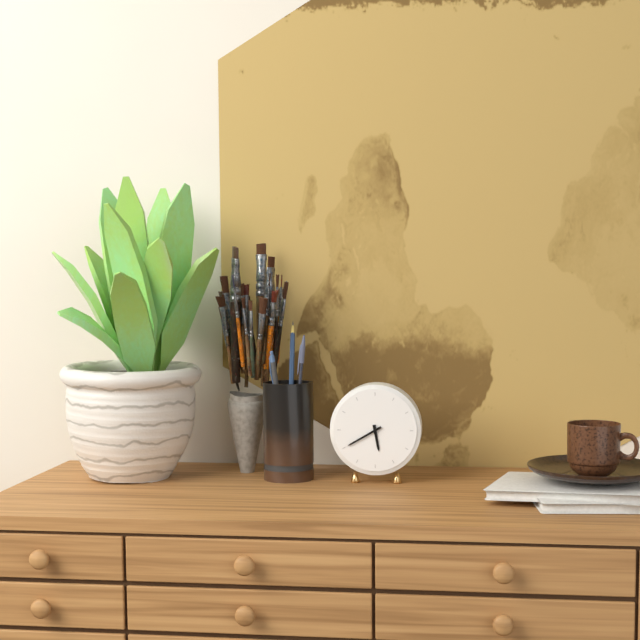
5:40
